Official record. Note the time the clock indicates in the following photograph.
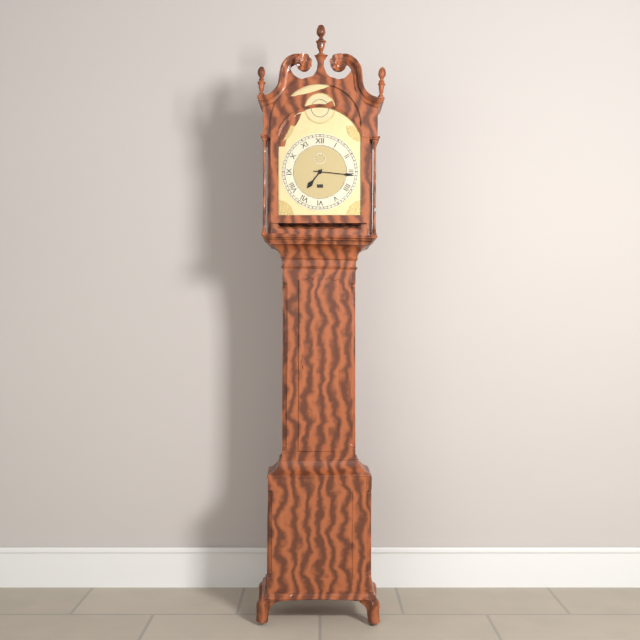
7:16
